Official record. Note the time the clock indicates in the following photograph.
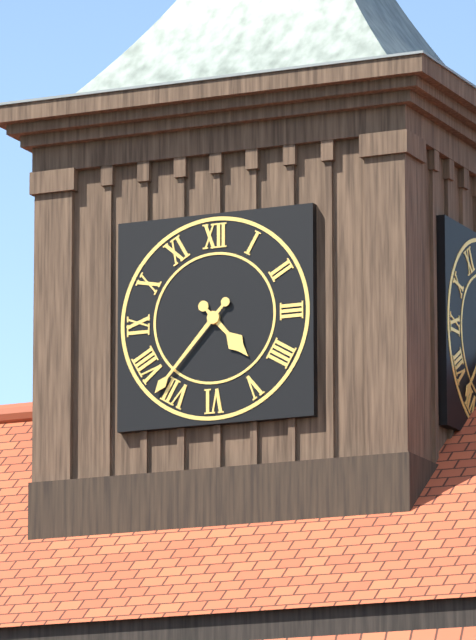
4:37
